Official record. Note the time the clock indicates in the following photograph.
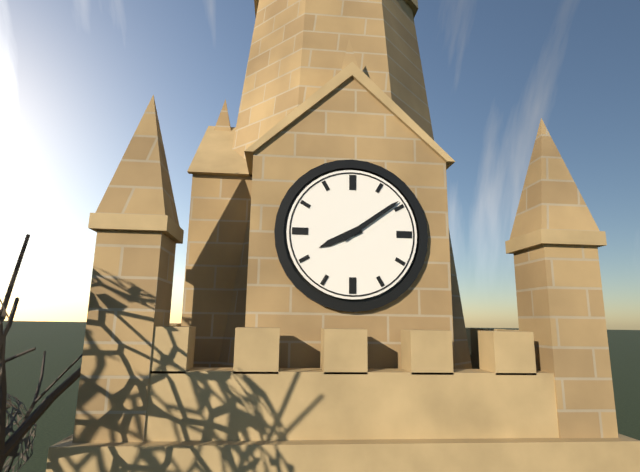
8:09
